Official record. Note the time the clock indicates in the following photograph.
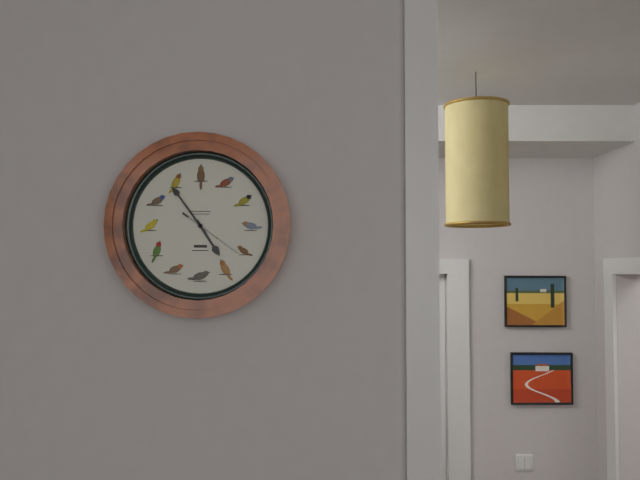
4:54:21
